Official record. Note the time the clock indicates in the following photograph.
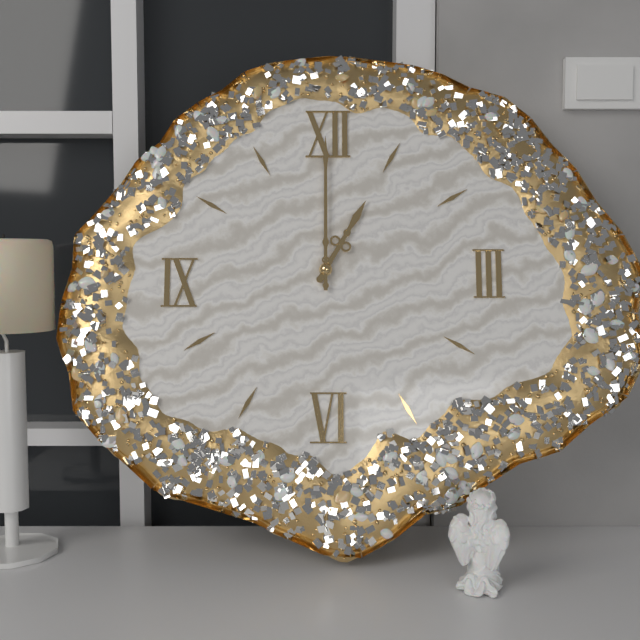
1:00
